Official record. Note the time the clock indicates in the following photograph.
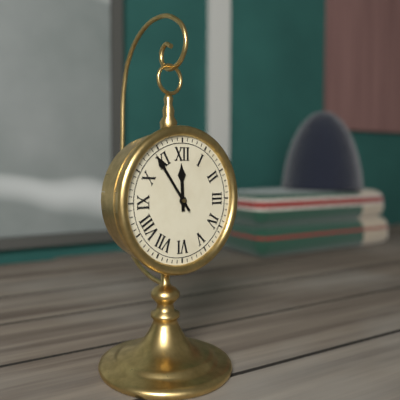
11:54
